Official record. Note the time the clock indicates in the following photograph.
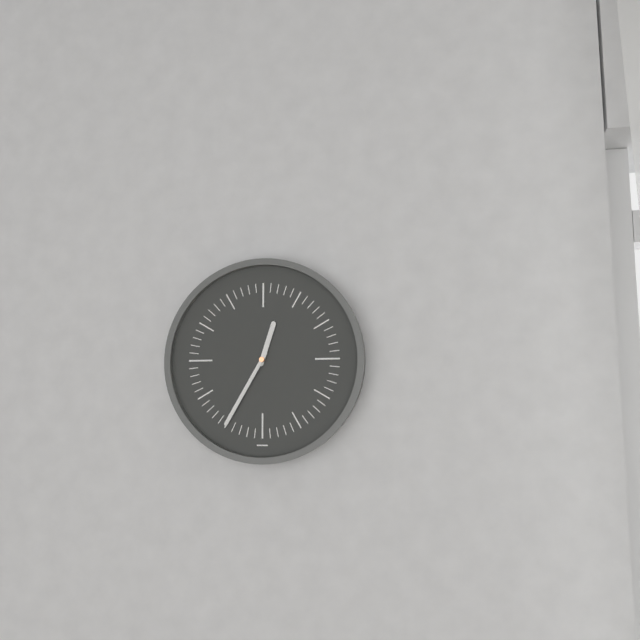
12:35
